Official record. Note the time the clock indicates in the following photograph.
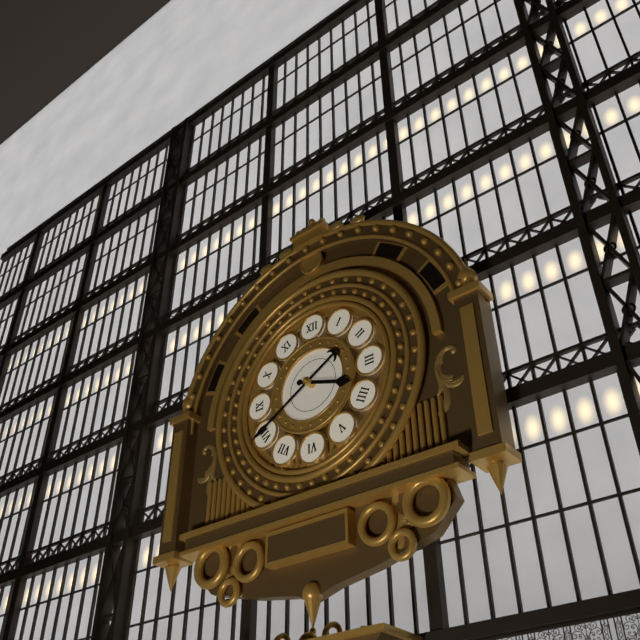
3:40
